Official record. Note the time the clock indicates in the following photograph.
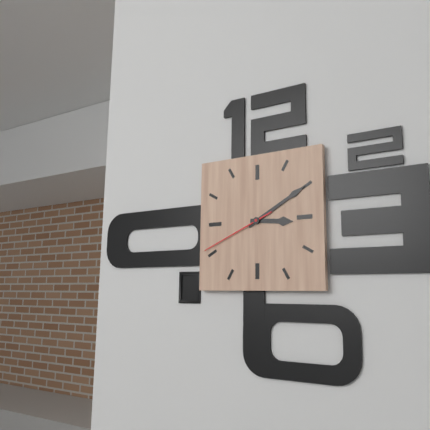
3:10:41
